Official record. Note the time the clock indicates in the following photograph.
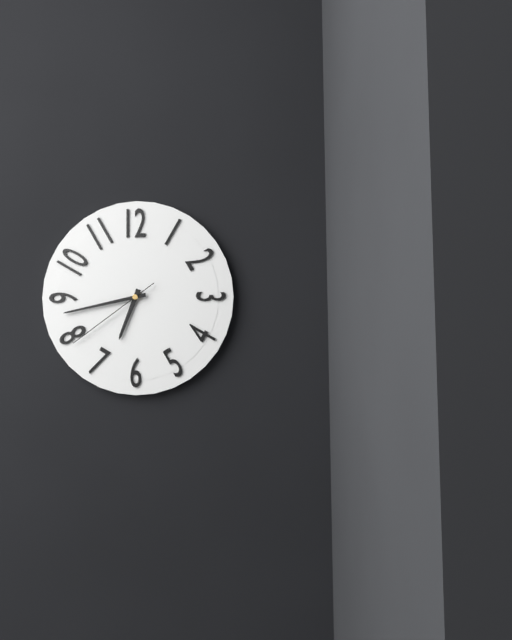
6:43:39
